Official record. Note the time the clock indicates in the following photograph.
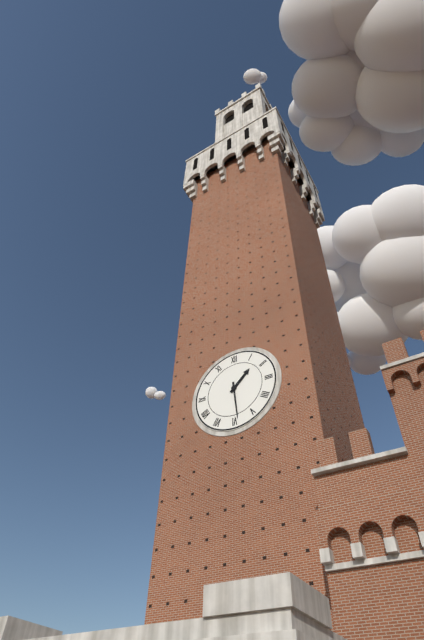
1:29
